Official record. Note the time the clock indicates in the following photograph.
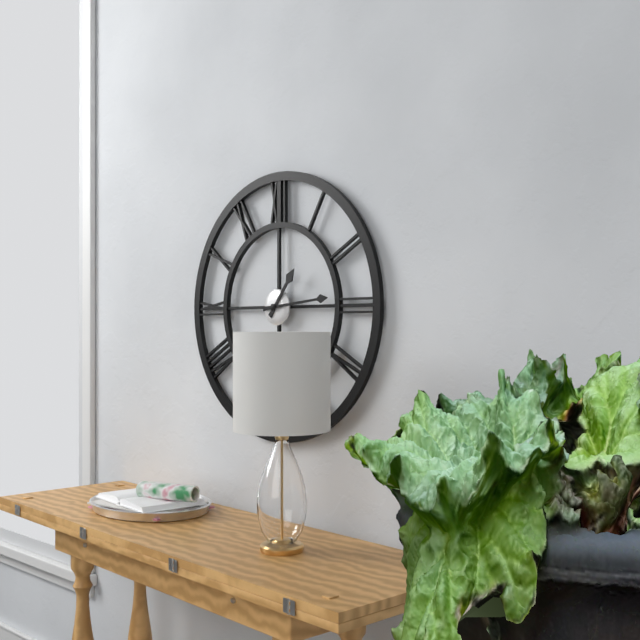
1:14
